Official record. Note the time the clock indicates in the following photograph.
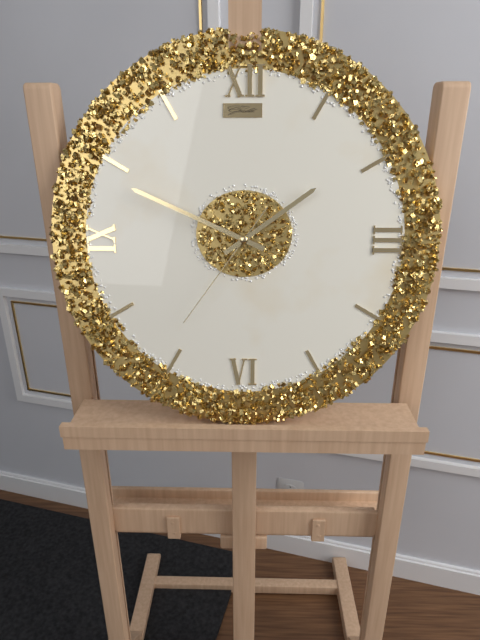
1:49:36
